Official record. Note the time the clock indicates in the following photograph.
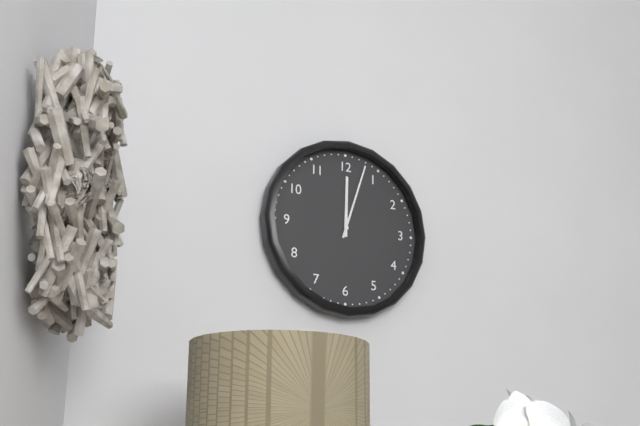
12:03
